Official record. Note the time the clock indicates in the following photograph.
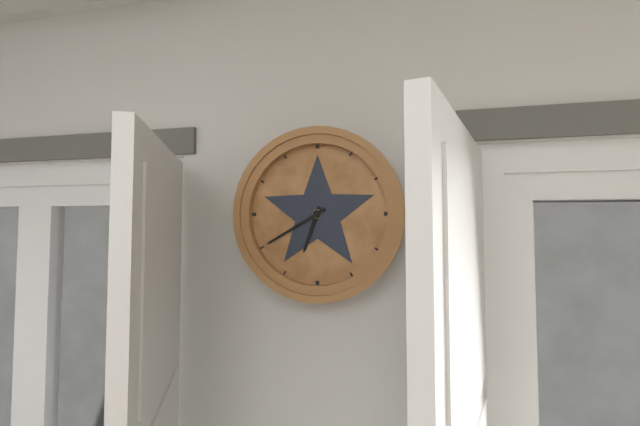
6:40
